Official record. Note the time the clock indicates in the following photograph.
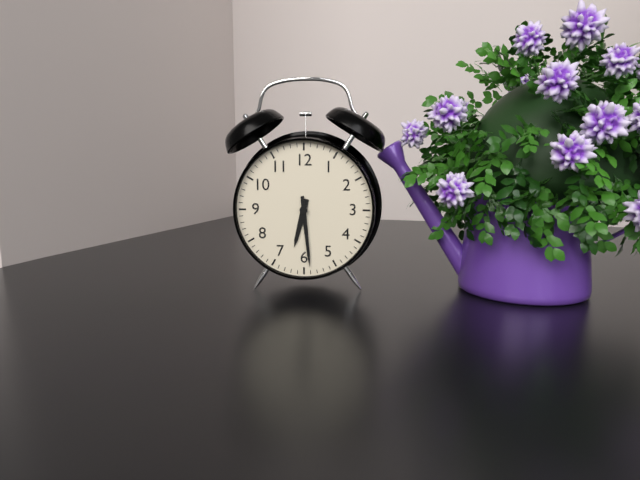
6:29
